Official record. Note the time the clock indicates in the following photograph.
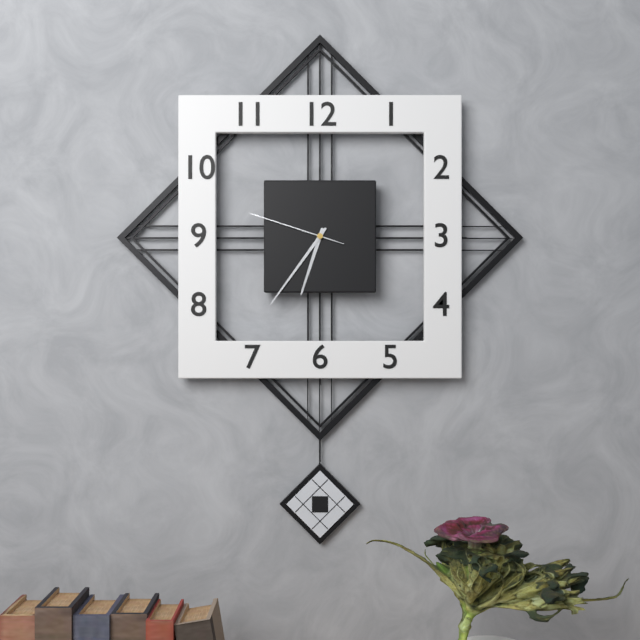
6:36:48
